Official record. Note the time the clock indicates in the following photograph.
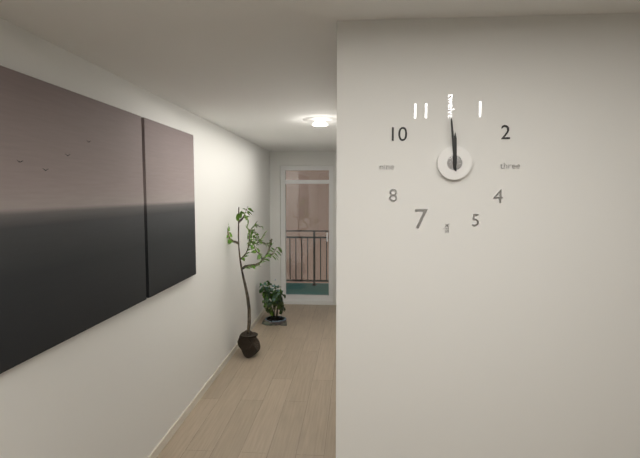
11:59
